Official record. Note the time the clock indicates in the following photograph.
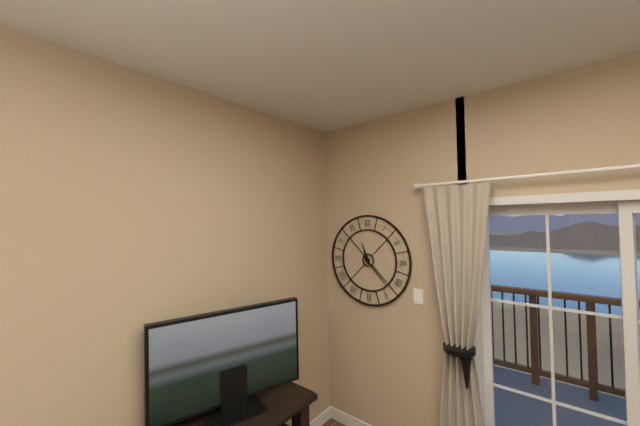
11:23
